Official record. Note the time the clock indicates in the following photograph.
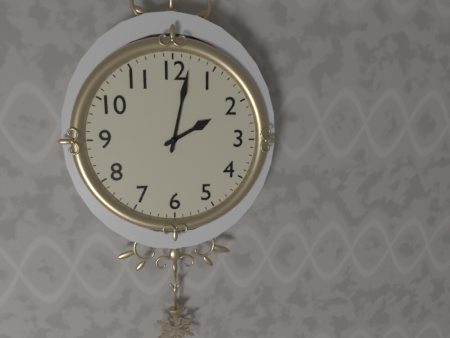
2:02
